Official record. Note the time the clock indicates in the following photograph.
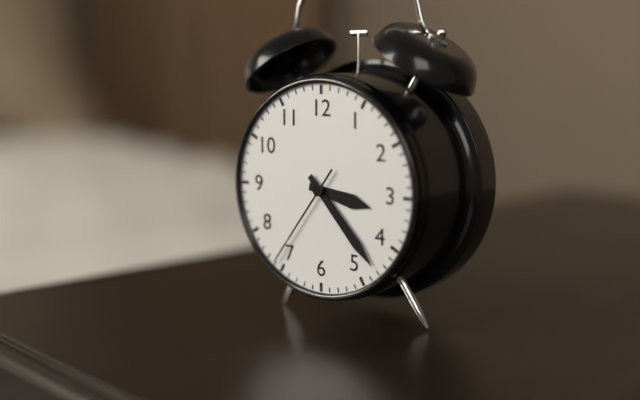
3:23:36
